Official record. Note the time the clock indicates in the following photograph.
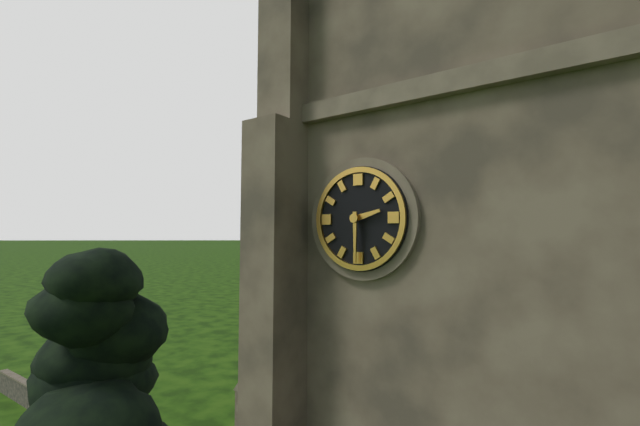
2:30
